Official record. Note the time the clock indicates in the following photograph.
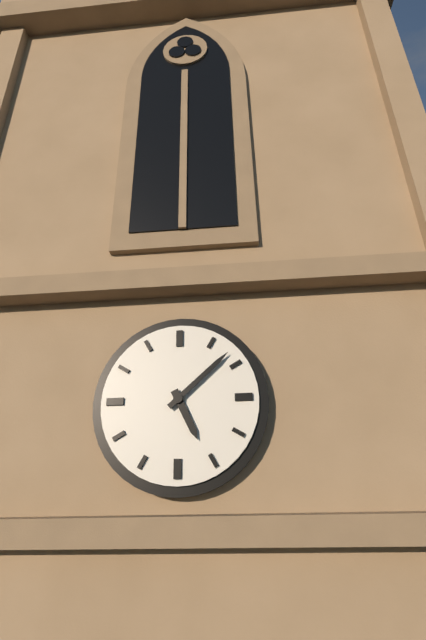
5:08
